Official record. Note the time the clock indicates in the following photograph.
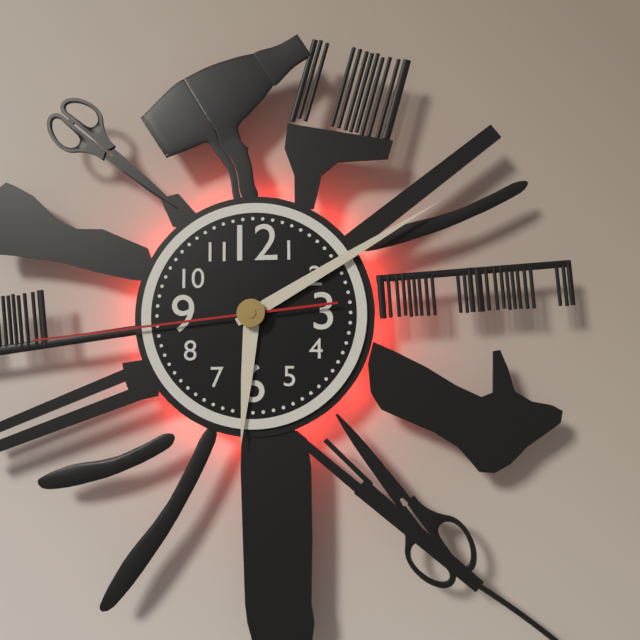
6:10:44
